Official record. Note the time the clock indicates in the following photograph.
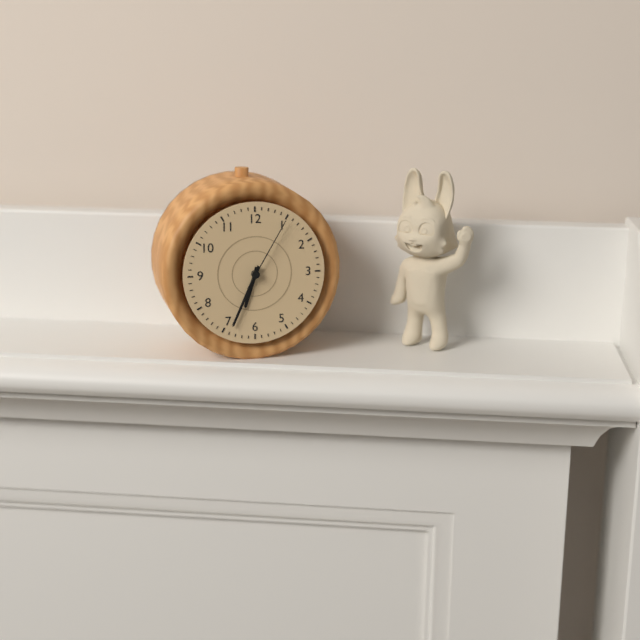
6:34:05
